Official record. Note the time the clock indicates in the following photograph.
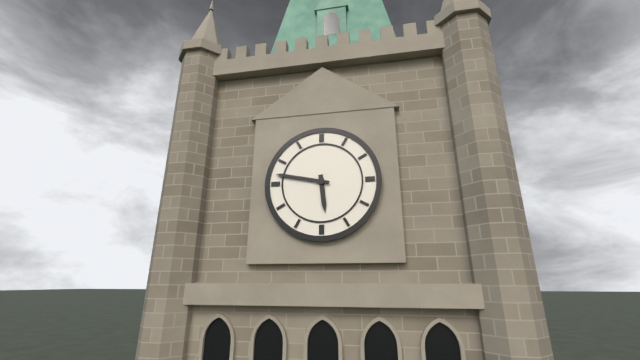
5:47
